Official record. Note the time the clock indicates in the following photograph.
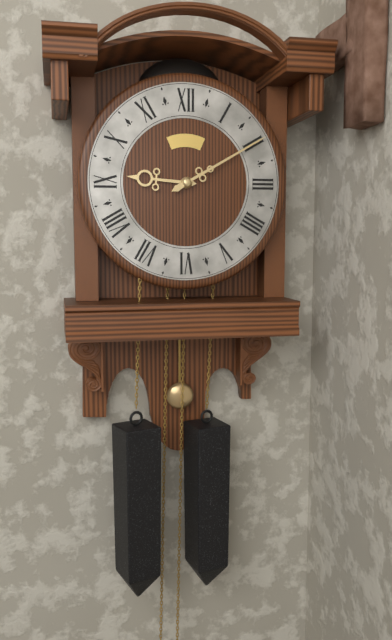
9:10
